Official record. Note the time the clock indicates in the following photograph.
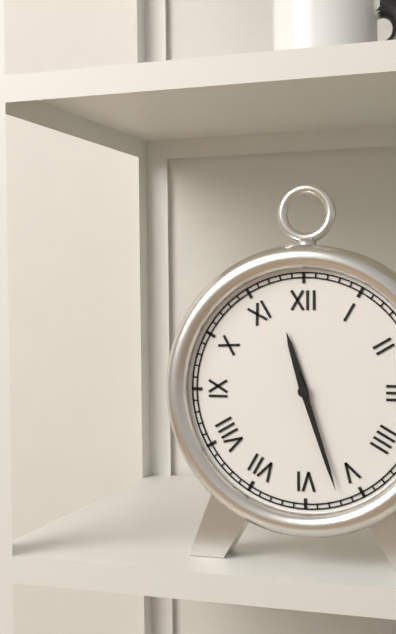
11:27
